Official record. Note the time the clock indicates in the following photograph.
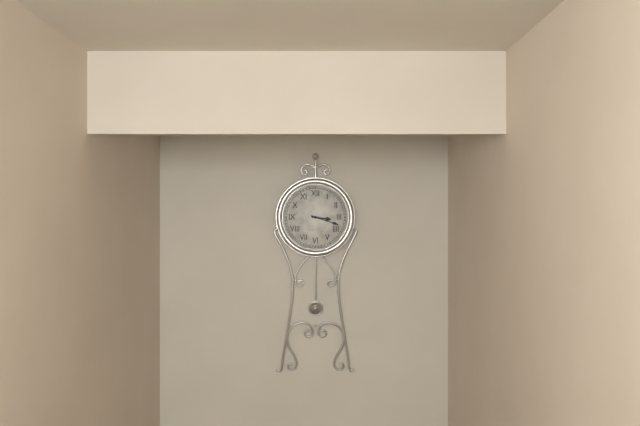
3:18
